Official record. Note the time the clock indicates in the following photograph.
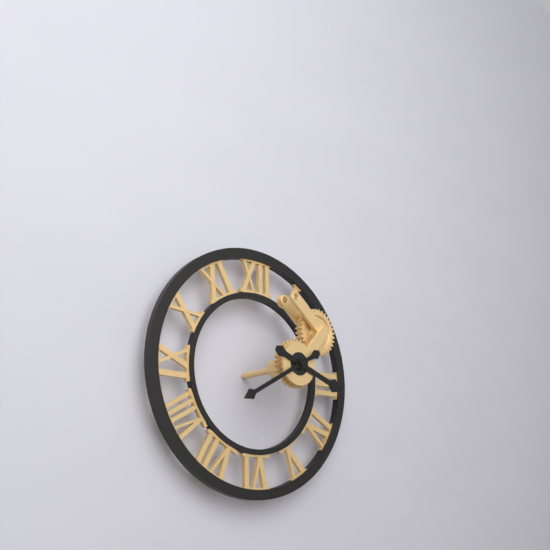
3:40
